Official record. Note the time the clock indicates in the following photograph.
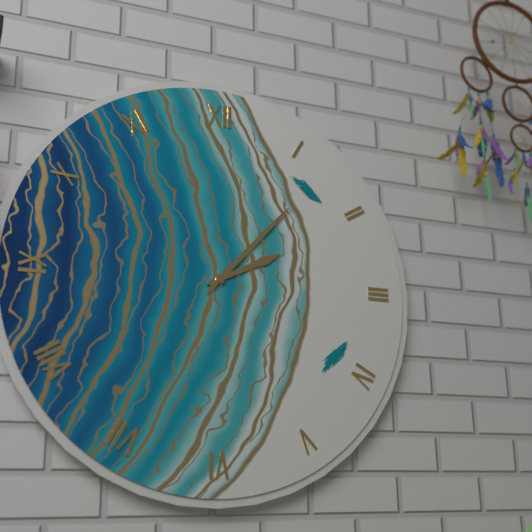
2:07
